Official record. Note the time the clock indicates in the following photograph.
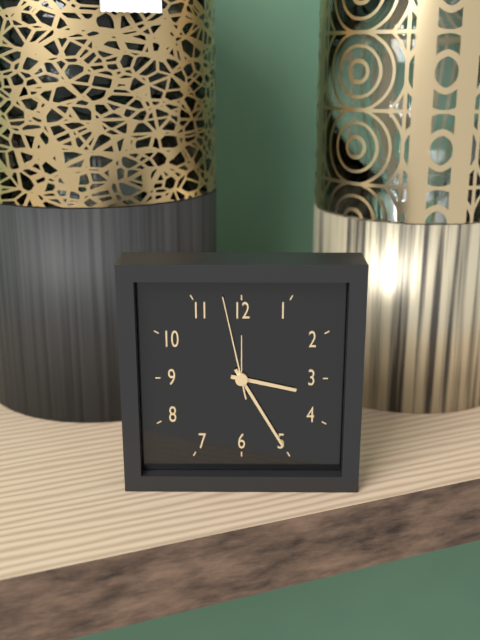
3:25:58
